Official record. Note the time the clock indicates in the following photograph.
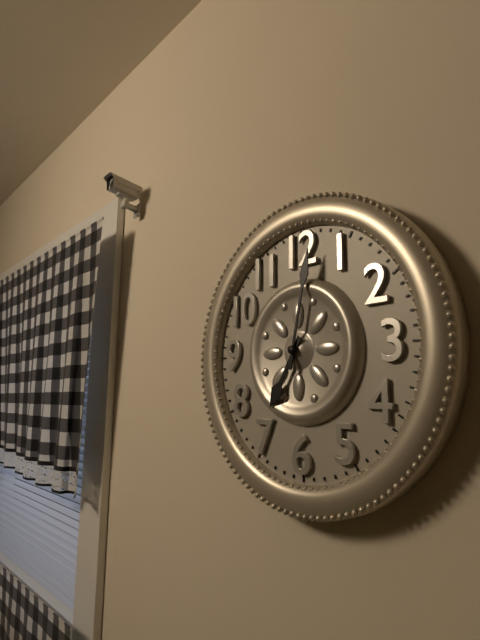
7:02
